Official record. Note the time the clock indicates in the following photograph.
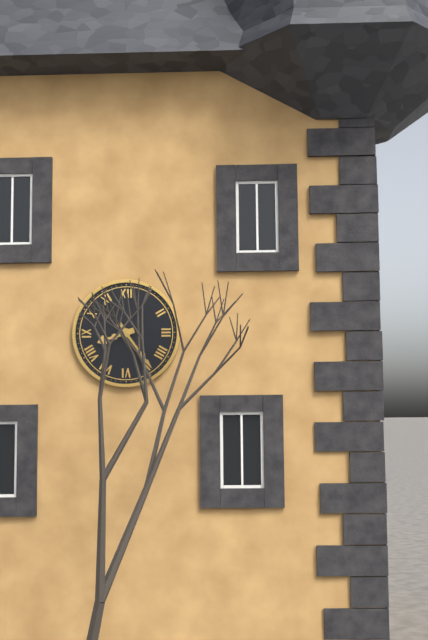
8:24
